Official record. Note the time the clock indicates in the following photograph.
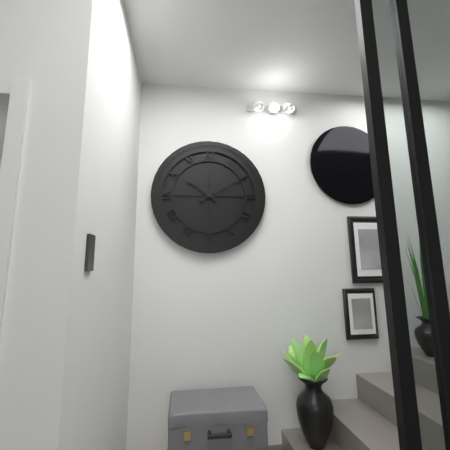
10:10
